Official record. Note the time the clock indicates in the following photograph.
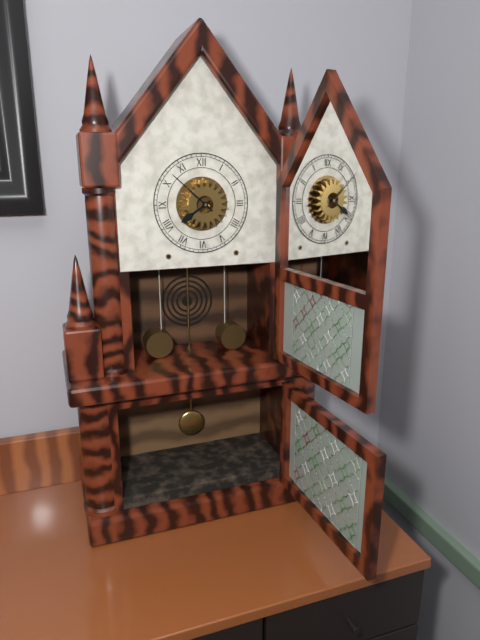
7:52
